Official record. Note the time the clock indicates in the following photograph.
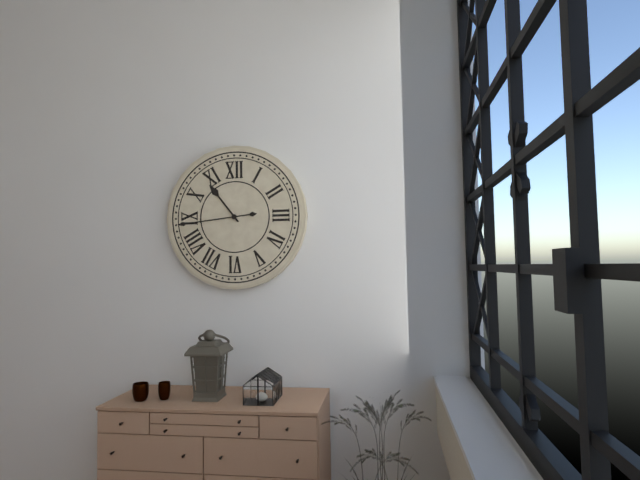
10:44
